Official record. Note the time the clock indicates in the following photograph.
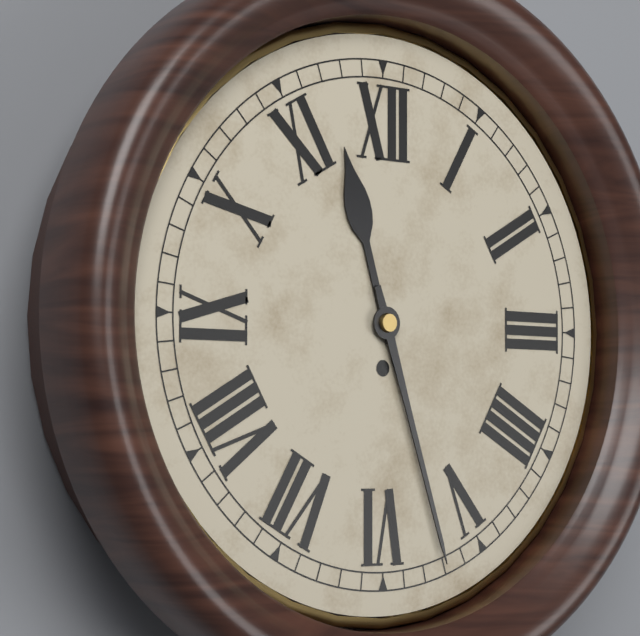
11:27
